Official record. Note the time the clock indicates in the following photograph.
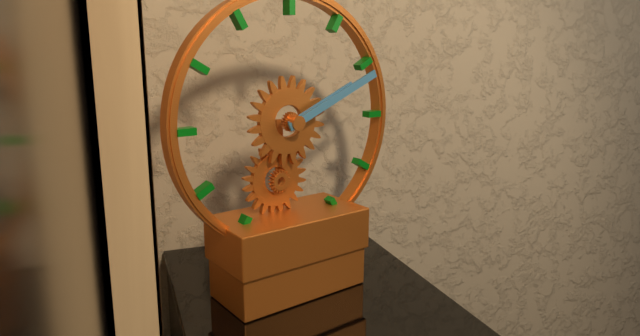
2:11
